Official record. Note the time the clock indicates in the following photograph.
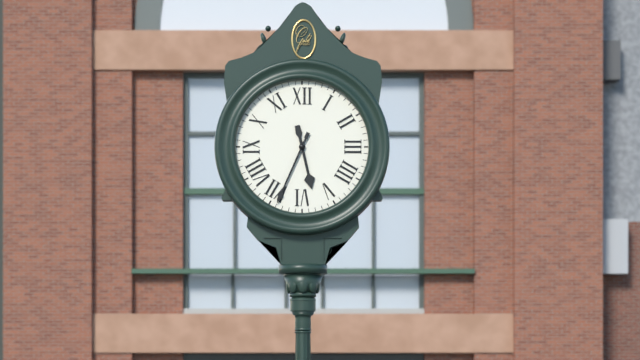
5:34
